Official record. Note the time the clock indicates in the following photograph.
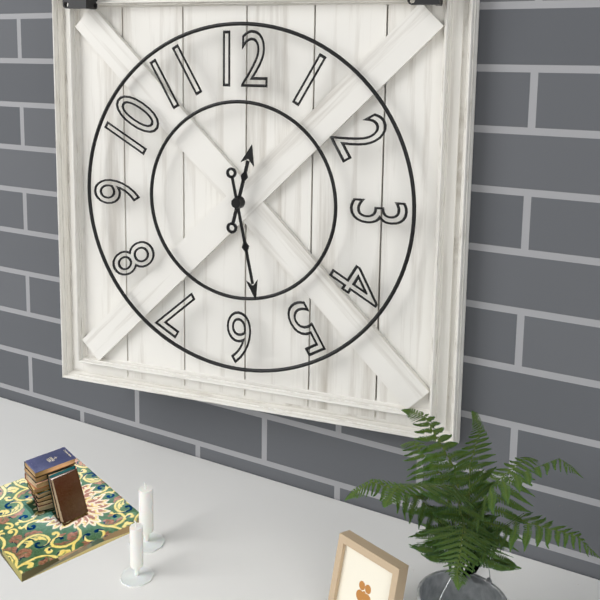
12:28
